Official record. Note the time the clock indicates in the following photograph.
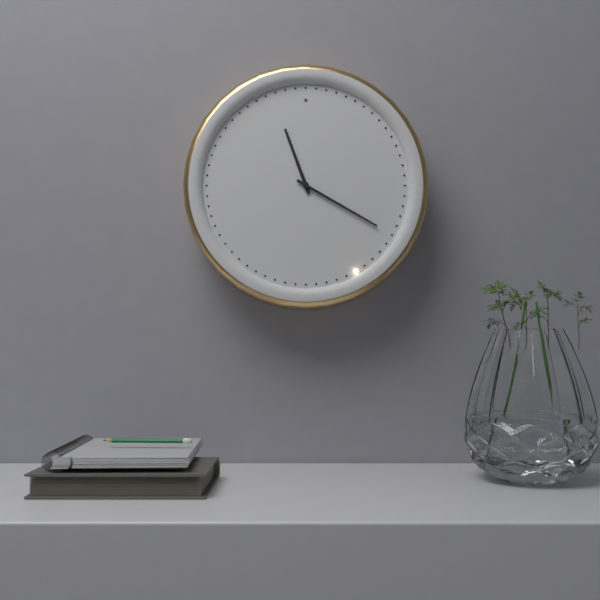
11:20
